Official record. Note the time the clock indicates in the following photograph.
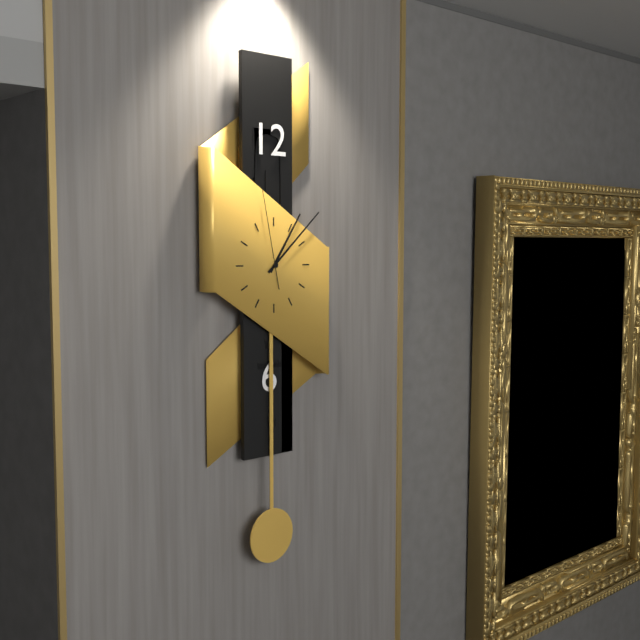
1:08:58
